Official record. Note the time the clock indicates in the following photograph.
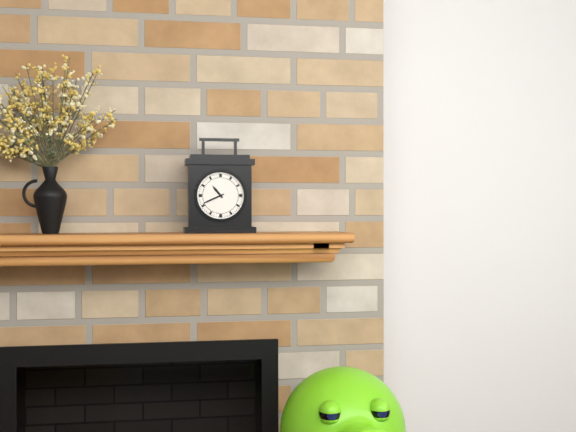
10:41
